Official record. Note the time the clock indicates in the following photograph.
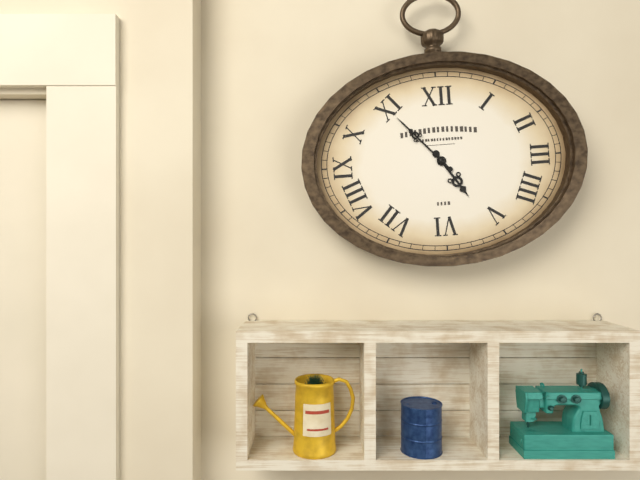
4:53
